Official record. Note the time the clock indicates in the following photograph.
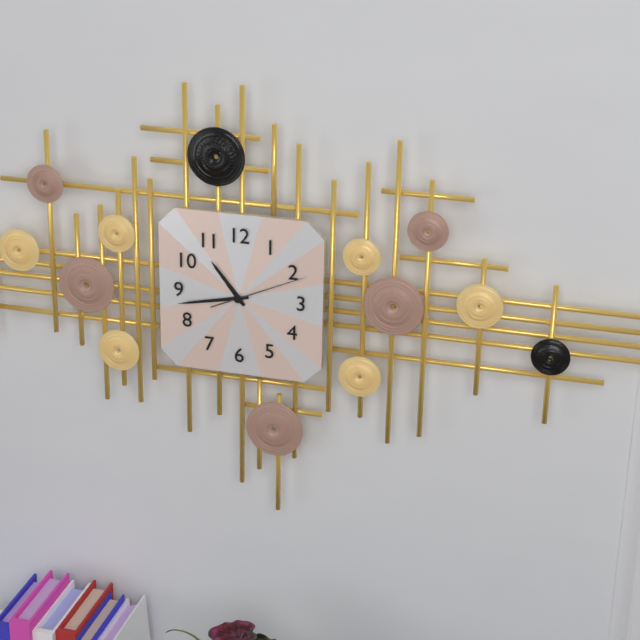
10:43:11
